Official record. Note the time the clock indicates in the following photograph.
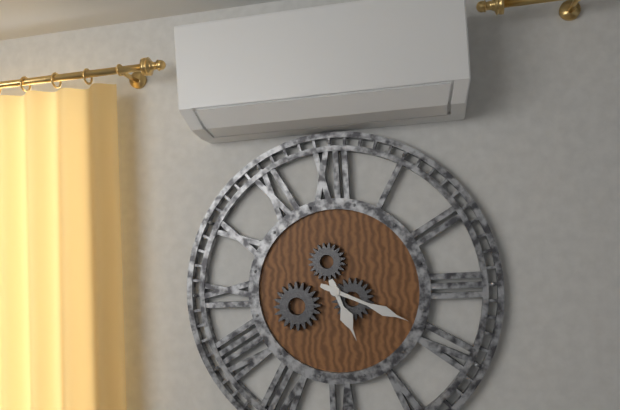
5:19
